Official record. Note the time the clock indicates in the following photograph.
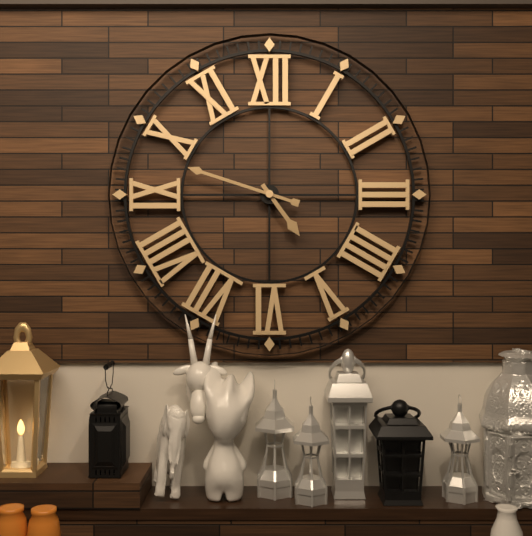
4:48
